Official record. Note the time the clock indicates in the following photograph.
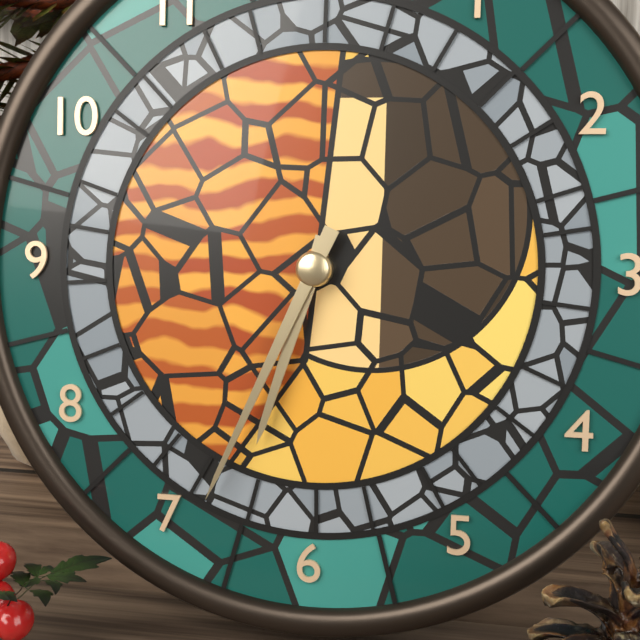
6:34
